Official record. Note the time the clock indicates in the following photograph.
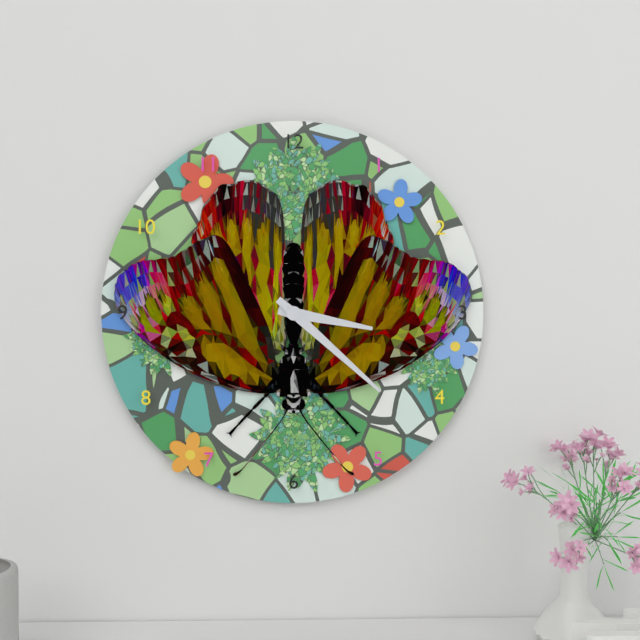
3:22
